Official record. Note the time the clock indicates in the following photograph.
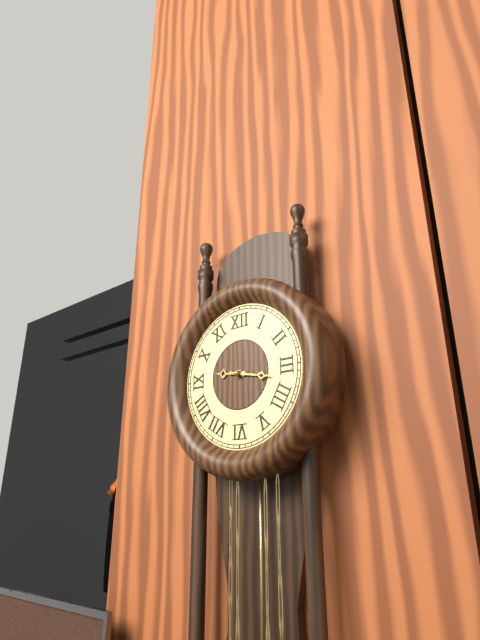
9:17
